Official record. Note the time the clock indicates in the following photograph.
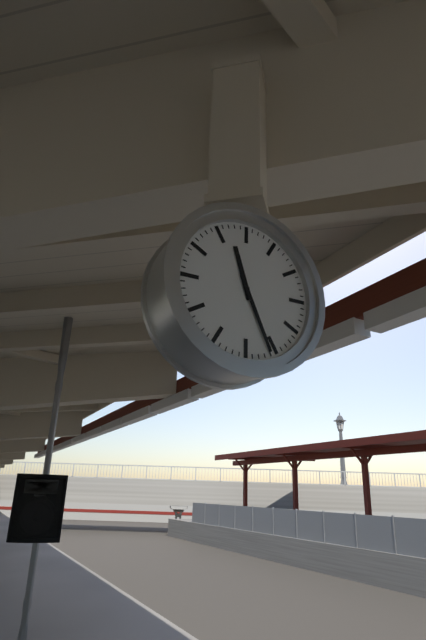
11:26
